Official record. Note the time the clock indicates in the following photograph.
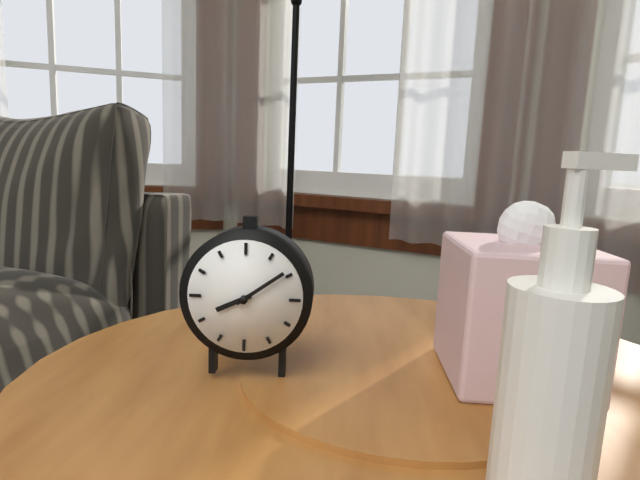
8:09
